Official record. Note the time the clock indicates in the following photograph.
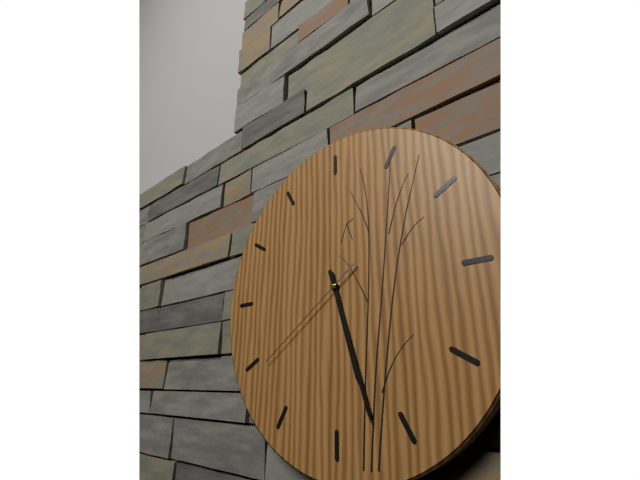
5:27:39
